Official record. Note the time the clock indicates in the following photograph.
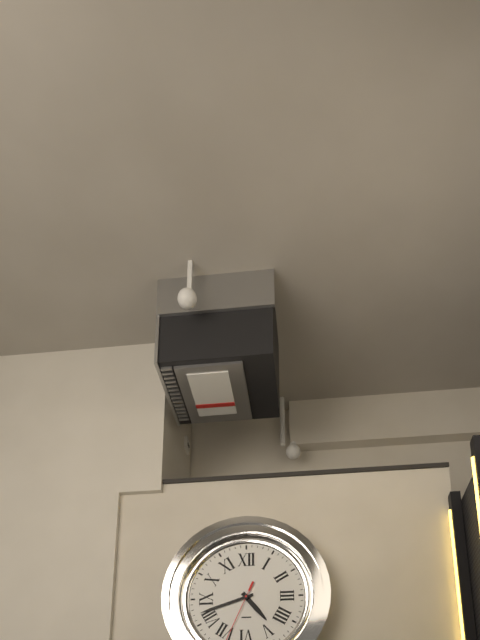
4:42
